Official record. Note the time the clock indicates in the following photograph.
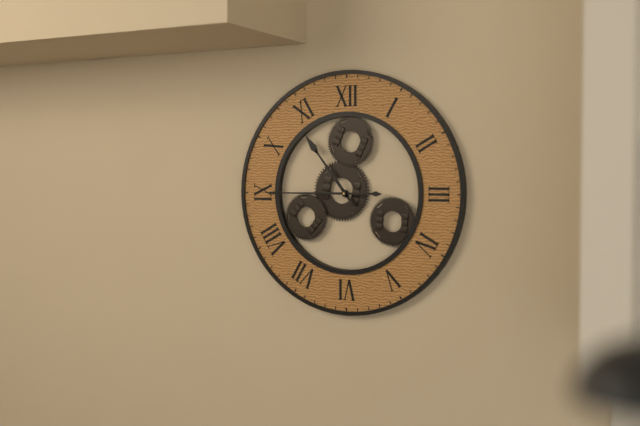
10:45
